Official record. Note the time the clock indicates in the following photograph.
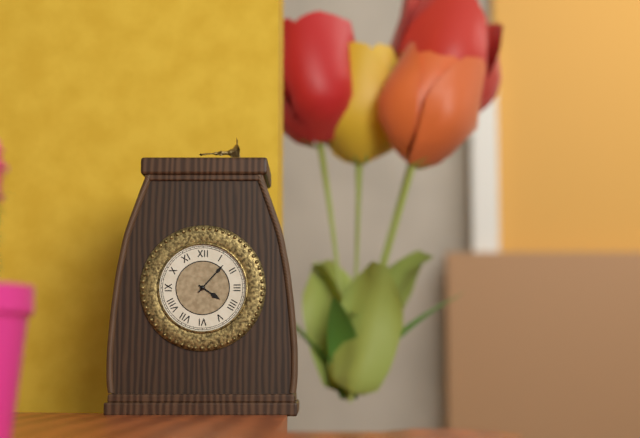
4:07
